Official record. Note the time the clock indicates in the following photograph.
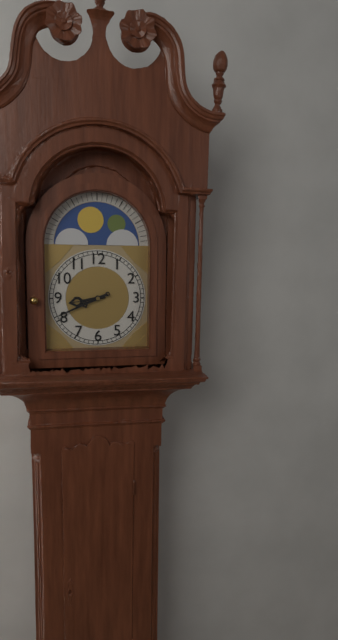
8:41
